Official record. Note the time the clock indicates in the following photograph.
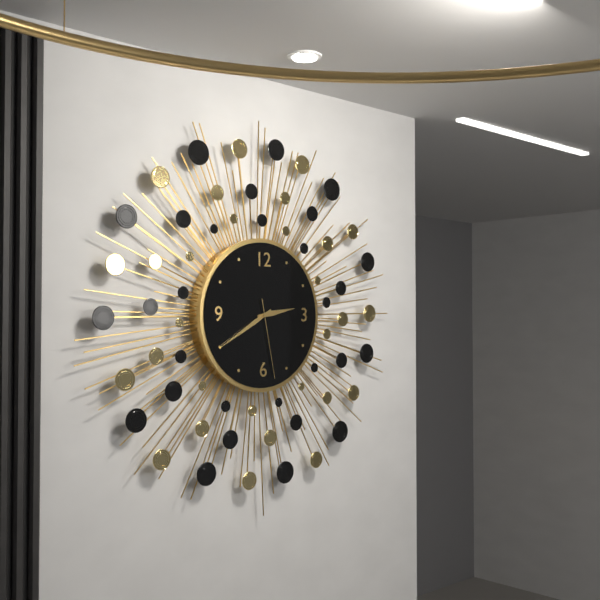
2:40:28
